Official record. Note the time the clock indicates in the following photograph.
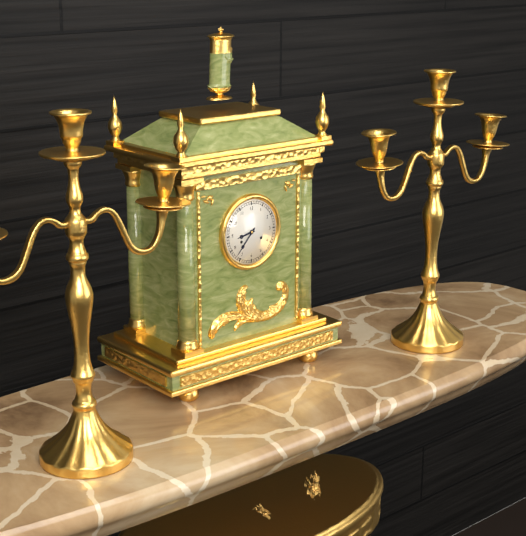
8:37
